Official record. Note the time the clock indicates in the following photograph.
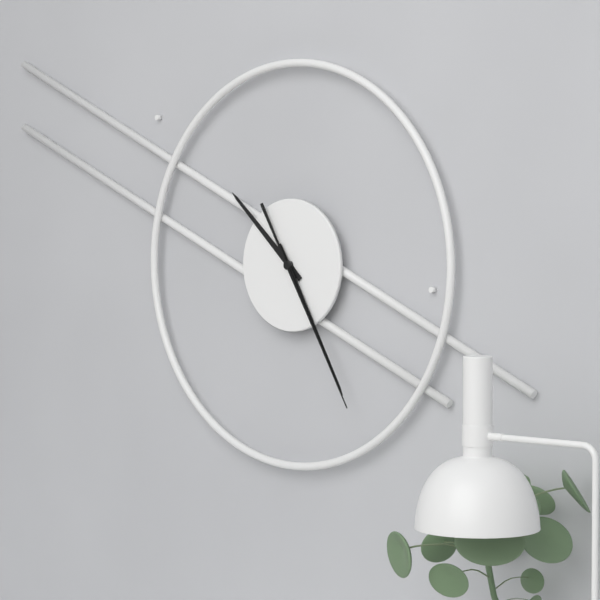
10:25:25
